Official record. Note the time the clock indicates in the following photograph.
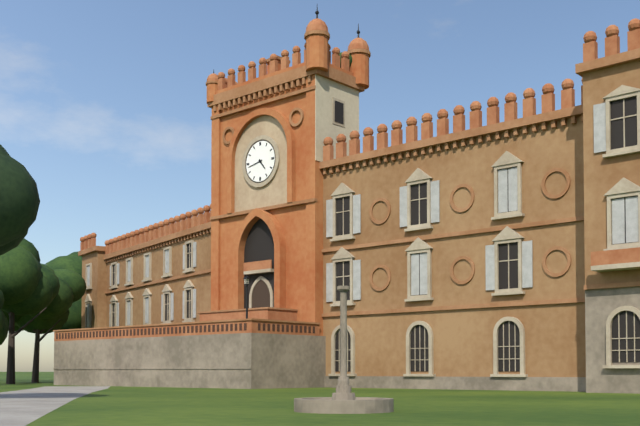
4:43
